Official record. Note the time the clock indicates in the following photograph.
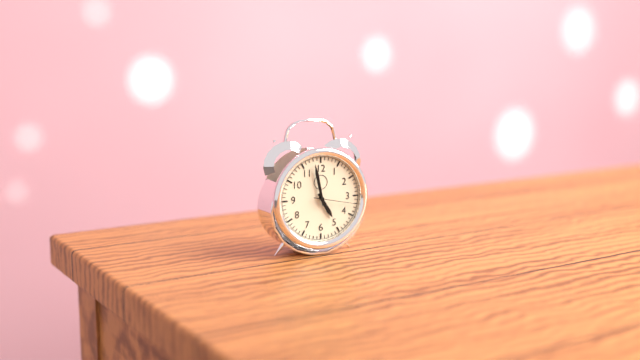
4:58
